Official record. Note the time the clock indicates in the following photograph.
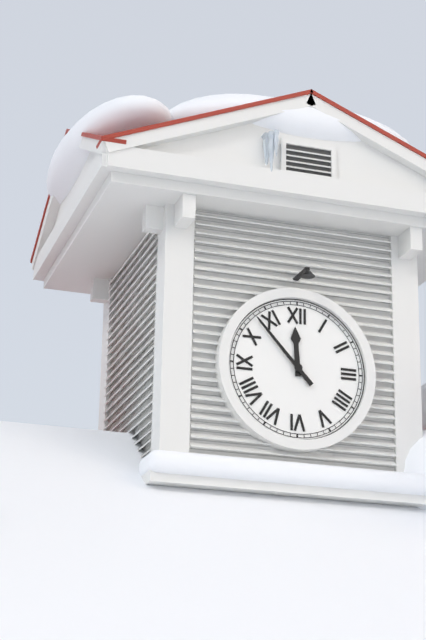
11:53
